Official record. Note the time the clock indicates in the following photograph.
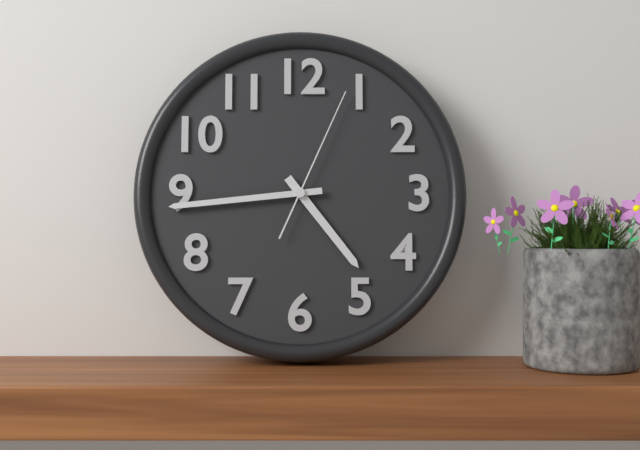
4:44:04
